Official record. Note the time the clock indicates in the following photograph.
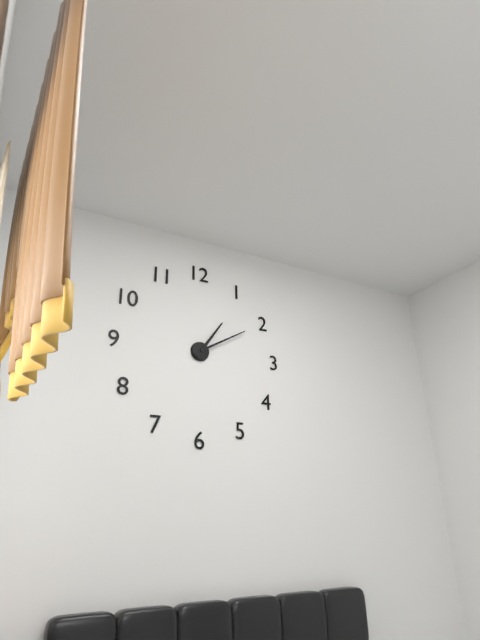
1:10
